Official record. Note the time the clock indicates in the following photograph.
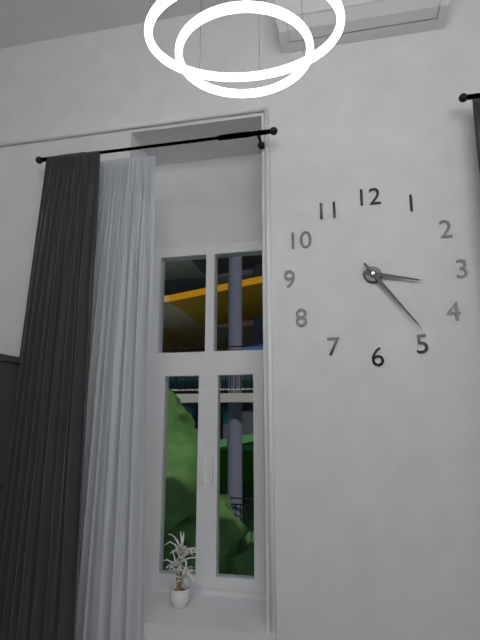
3:24
